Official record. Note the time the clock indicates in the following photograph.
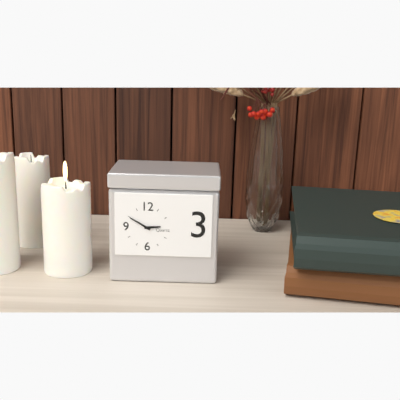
2:50
